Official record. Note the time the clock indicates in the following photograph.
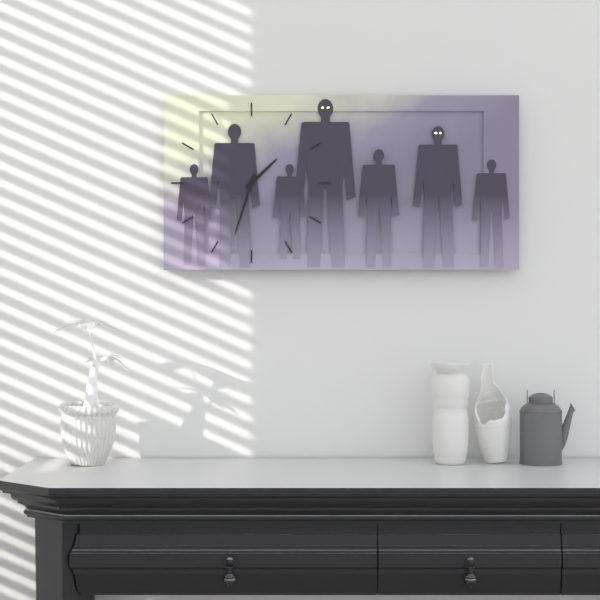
1:33
